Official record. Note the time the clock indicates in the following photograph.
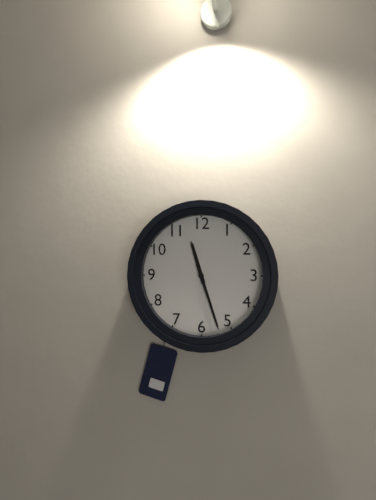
11:27
